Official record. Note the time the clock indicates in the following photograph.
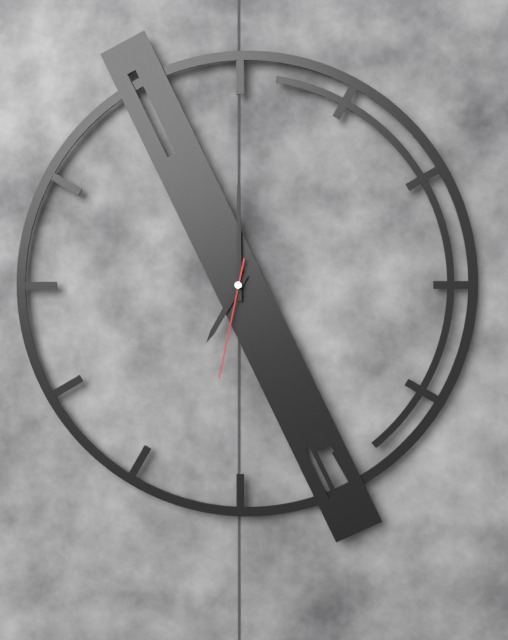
7:00:32
